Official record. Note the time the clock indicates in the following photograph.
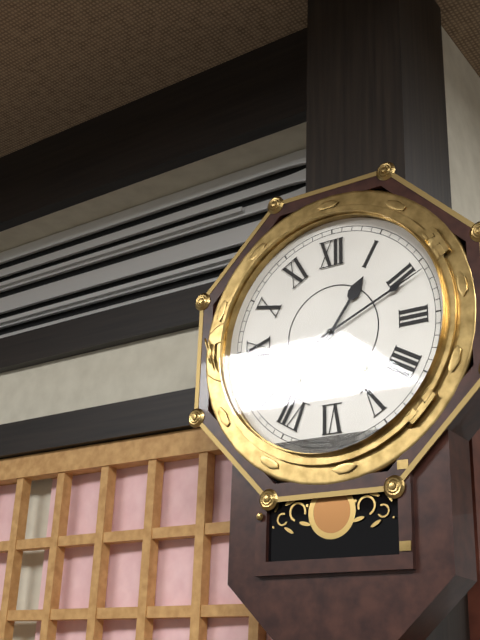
1:11
